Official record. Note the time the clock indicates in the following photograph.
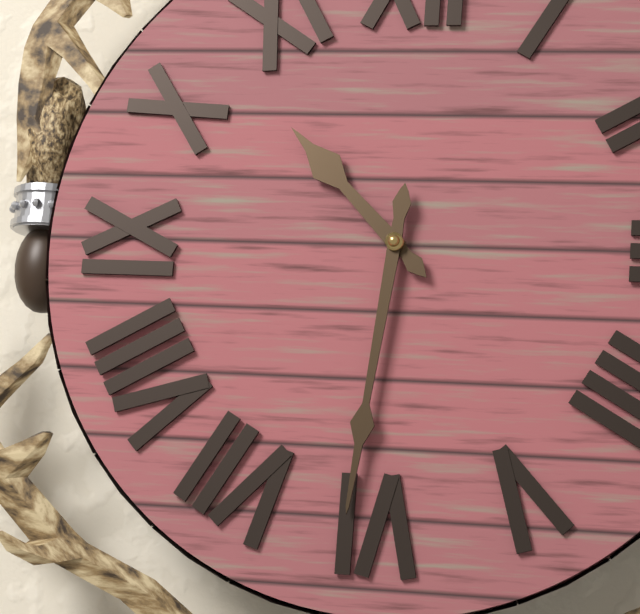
10:31
